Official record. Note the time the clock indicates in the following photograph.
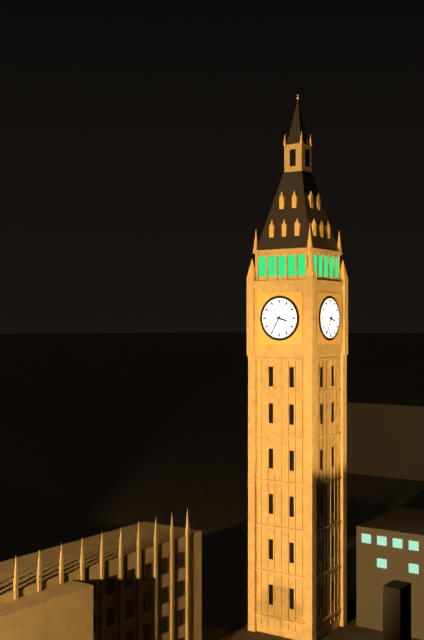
3:35
